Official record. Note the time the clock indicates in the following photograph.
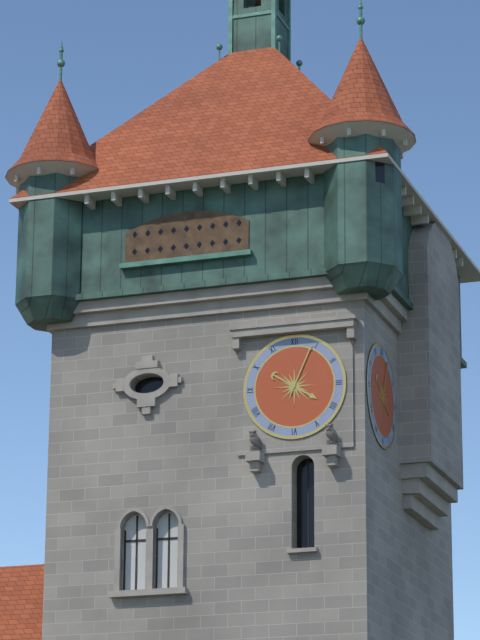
4:04
